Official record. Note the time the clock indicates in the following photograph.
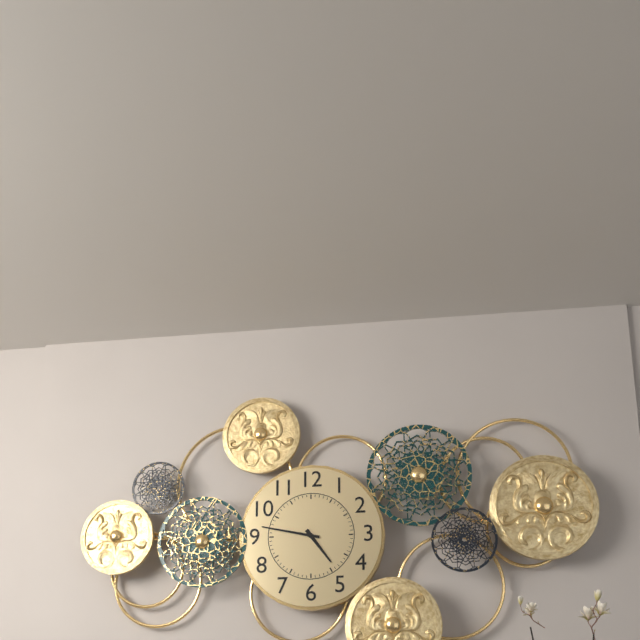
4:47
